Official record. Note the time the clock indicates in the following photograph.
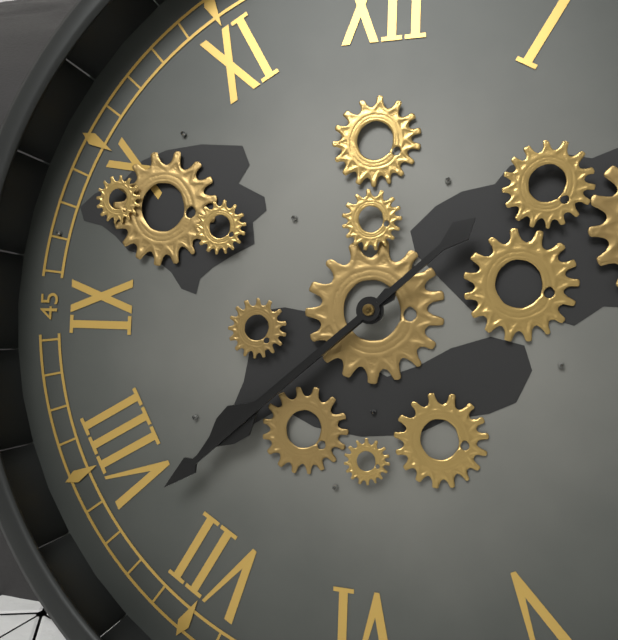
7:38
